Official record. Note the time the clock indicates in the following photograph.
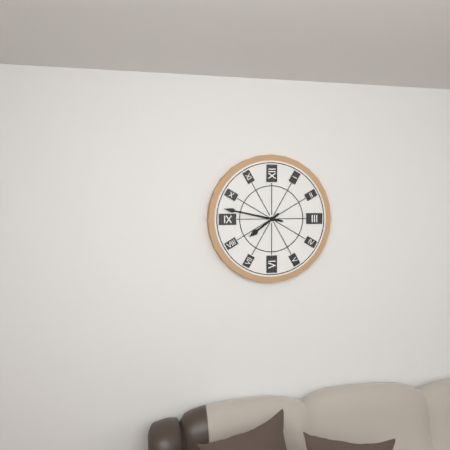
7:47
